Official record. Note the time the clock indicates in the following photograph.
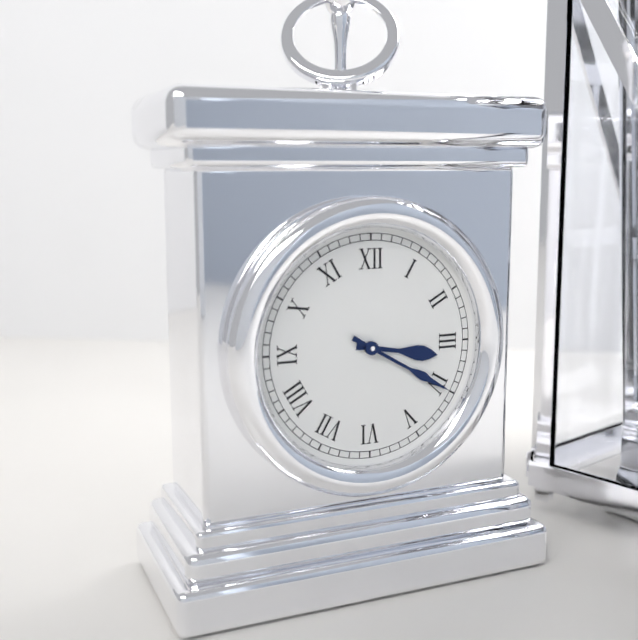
3:20
